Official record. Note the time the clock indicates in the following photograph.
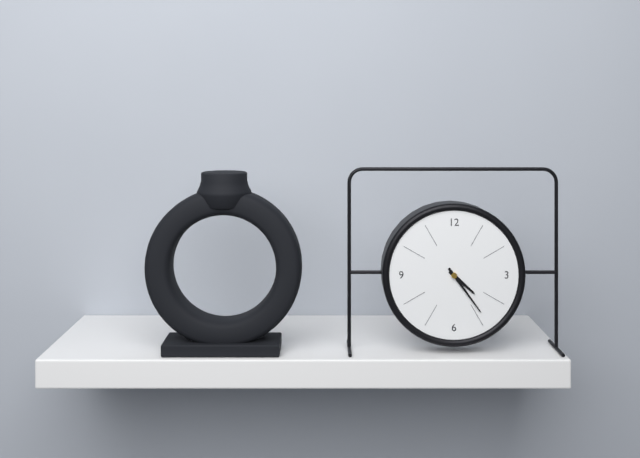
4:24
